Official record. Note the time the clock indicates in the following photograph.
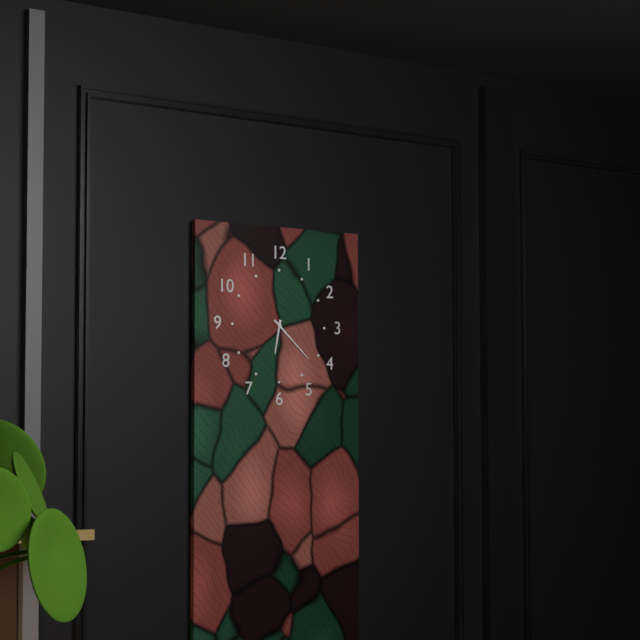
6:22
